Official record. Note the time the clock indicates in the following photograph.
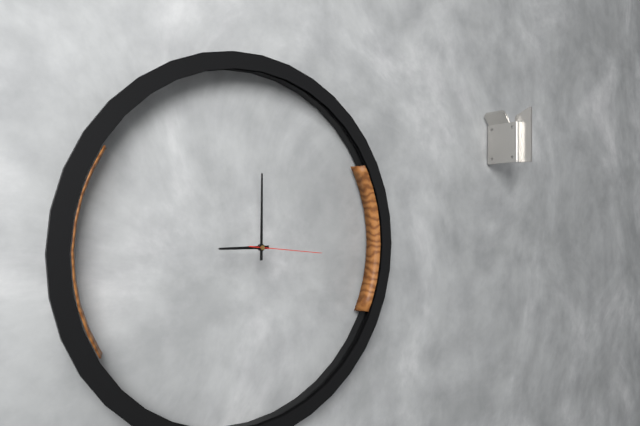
9:00:16
